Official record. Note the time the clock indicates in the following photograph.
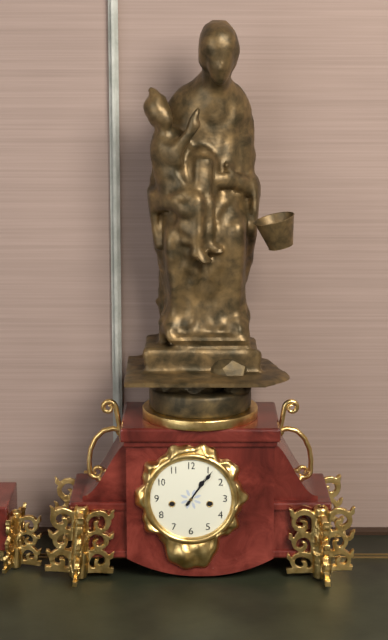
1:06
